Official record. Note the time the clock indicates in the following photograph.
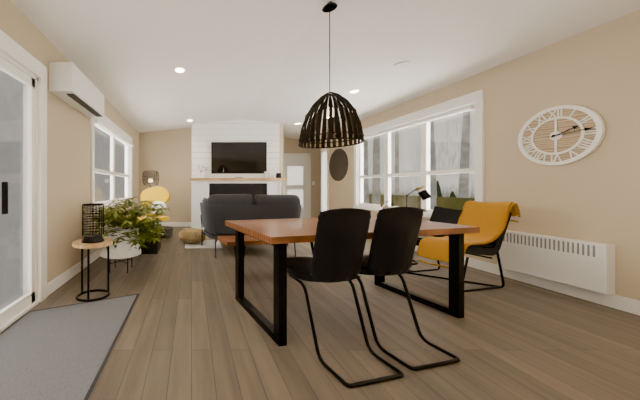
2:14
